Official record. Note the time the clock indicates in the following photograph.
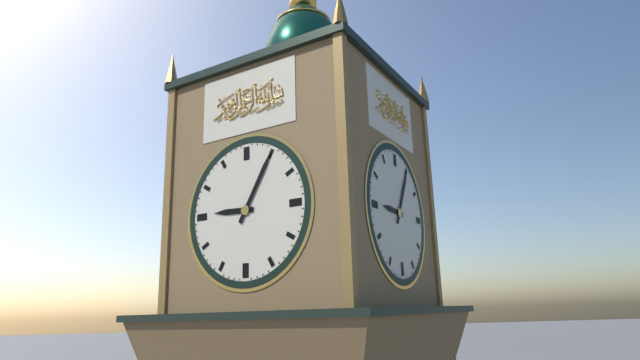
9:05
